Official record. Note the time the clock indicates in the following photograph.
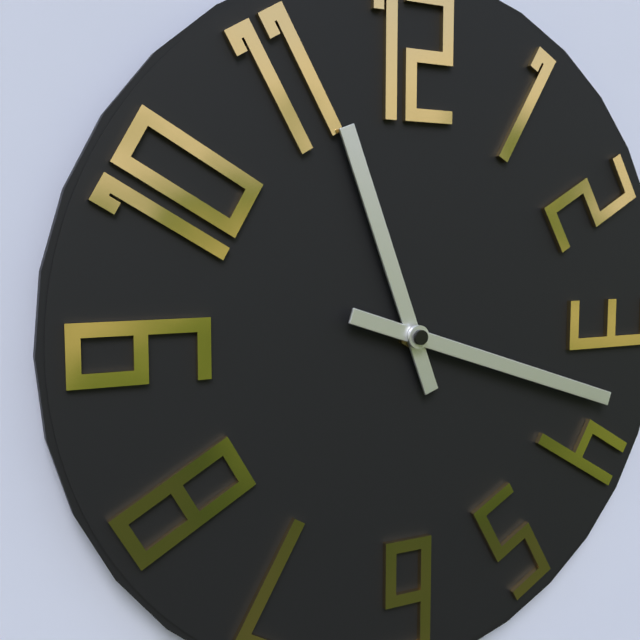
11:18
